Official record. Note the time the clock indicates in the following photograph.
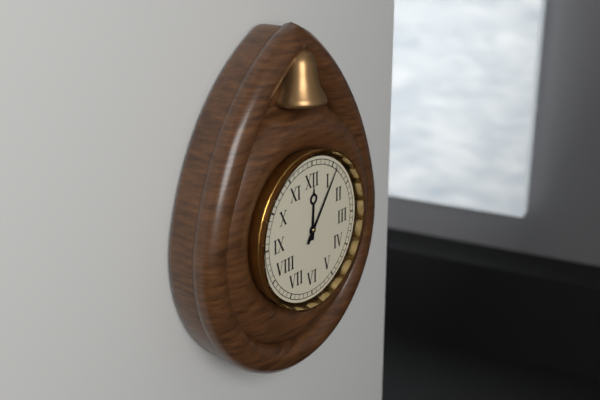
12:06
